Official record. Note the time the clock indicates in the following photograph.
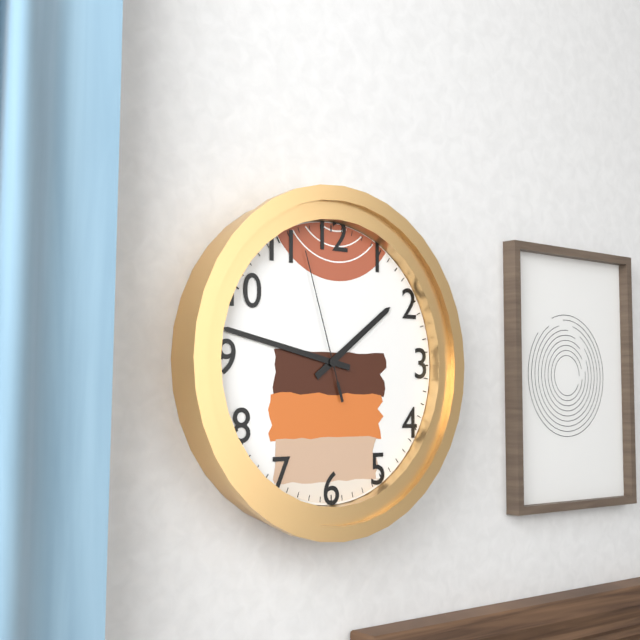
1:47:57
